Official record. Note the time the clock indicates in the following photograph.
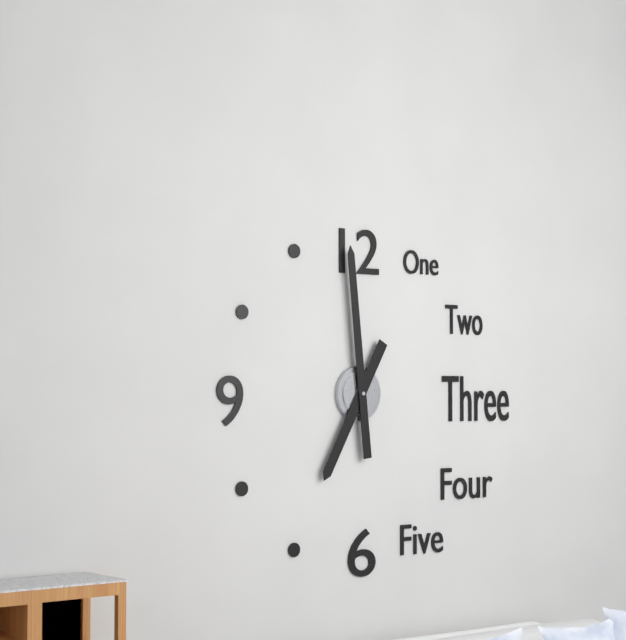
6:59
